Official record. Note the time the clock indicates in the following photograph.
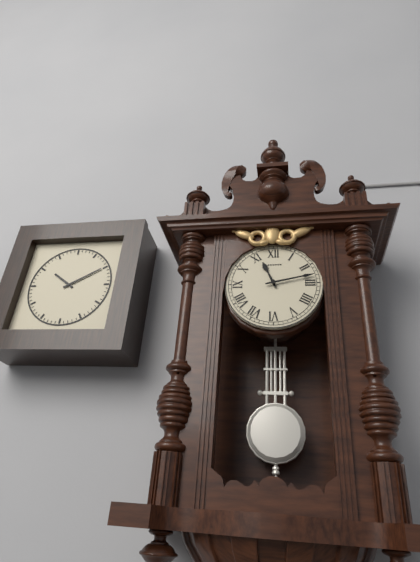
11:13
